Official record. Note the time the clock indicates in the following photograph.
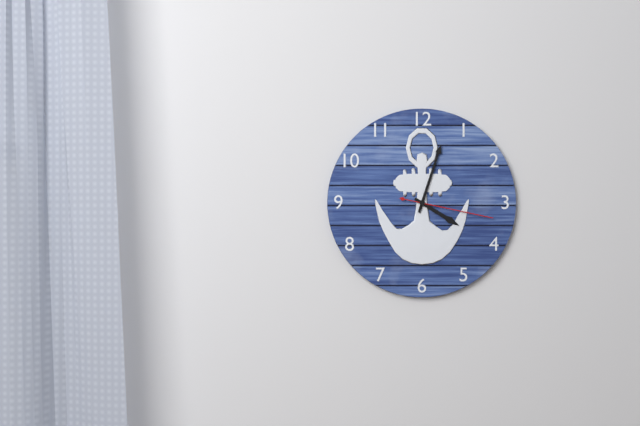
4:03:17
